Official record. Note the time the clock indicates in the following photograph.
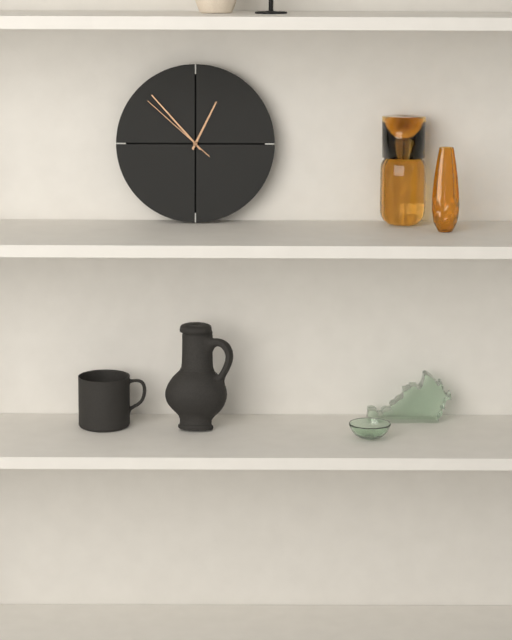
12:53:52
